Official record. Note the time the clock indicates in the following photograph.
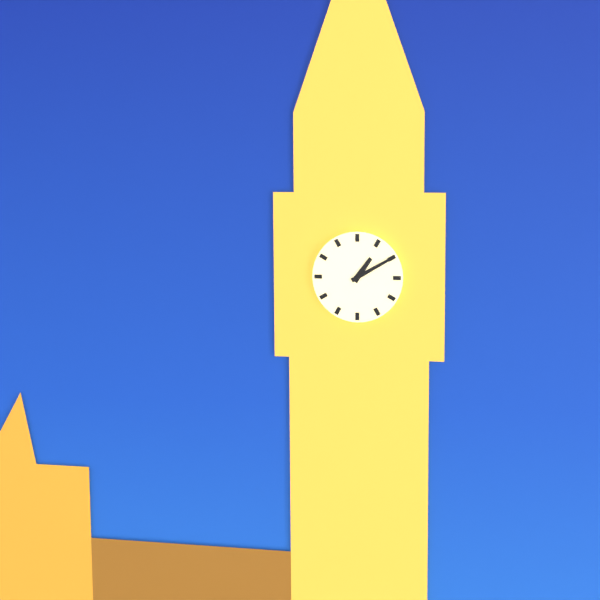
1:10
